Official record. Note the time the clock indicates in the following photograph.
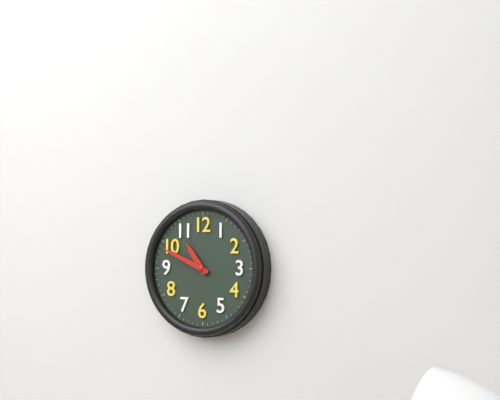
10:49
